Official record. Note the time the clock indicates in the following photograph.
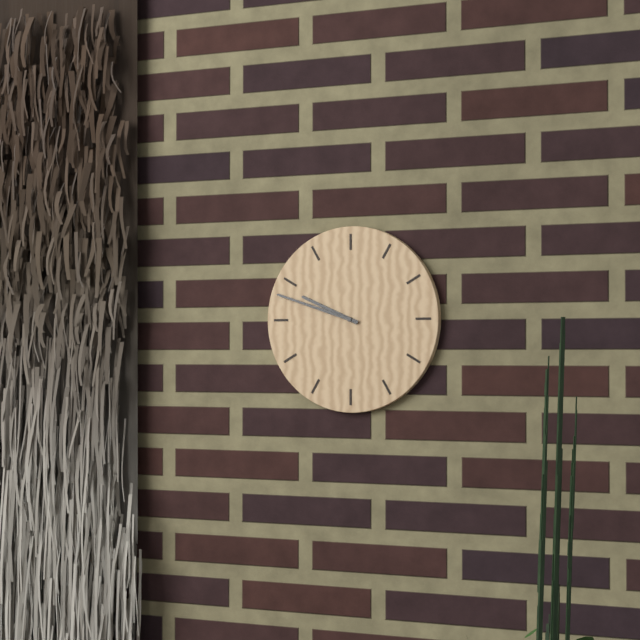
9:48
